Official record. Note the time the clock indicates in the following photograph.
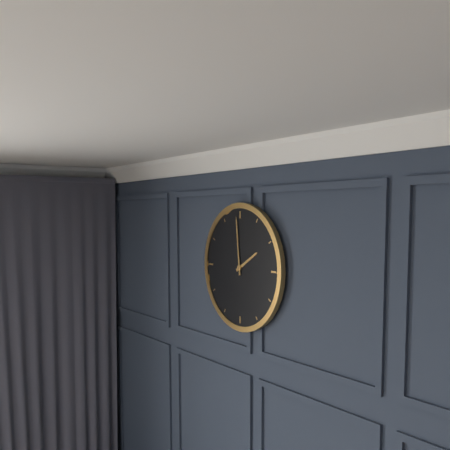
1:59
